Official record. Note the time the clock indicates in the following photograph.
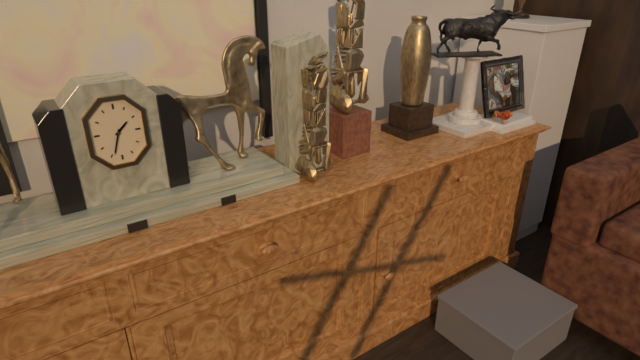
1:33
